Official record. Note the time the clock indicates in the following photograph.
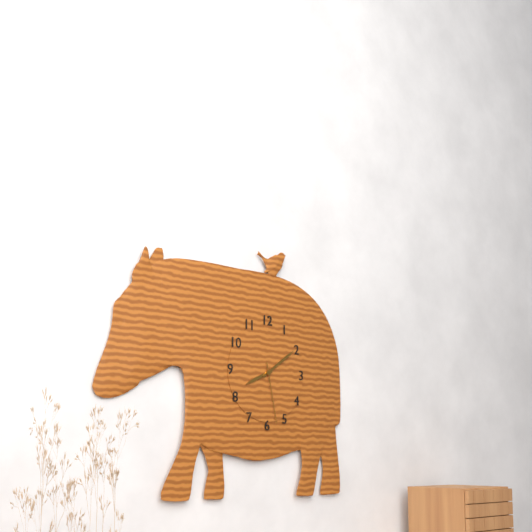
8:09:28
